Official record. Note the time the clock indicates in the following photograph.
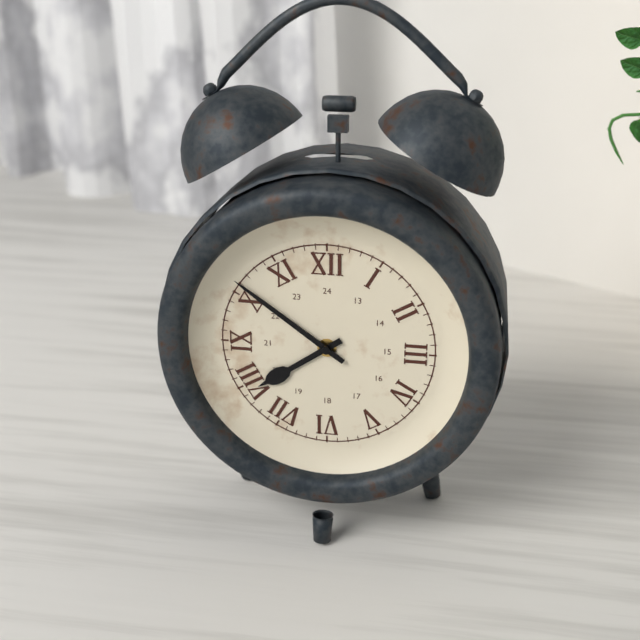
7:51
